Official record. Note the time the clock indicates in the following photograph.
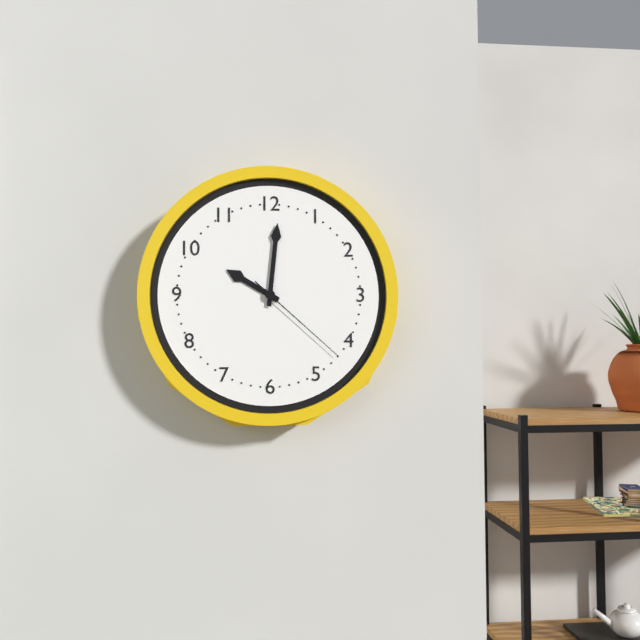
10:01:22
